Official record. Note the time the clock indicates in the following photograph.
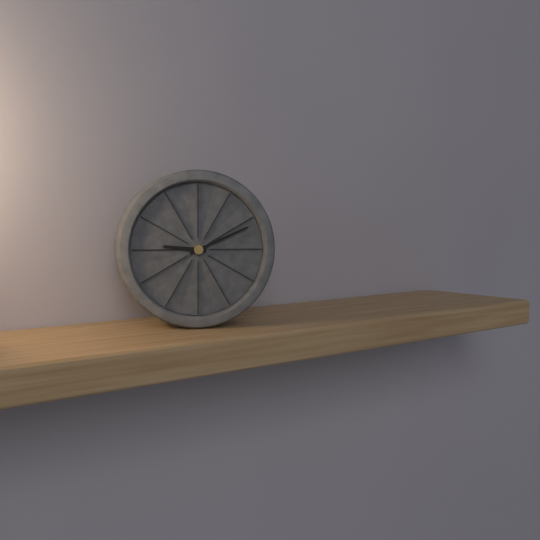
9:11
